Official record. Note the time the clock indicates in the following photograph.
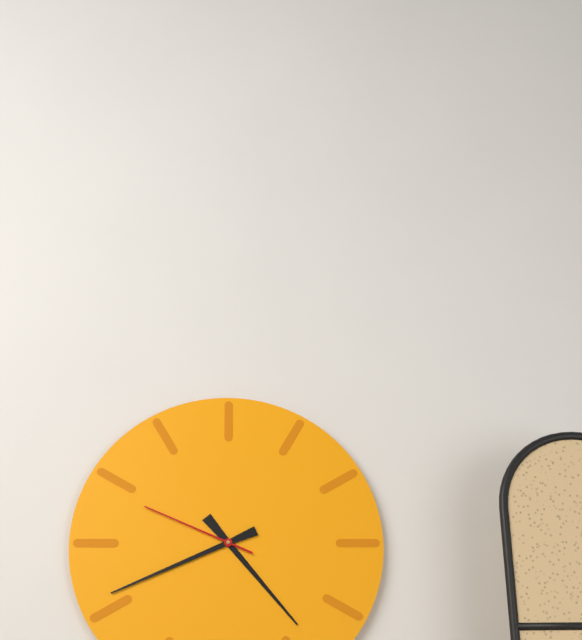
4:41:49
